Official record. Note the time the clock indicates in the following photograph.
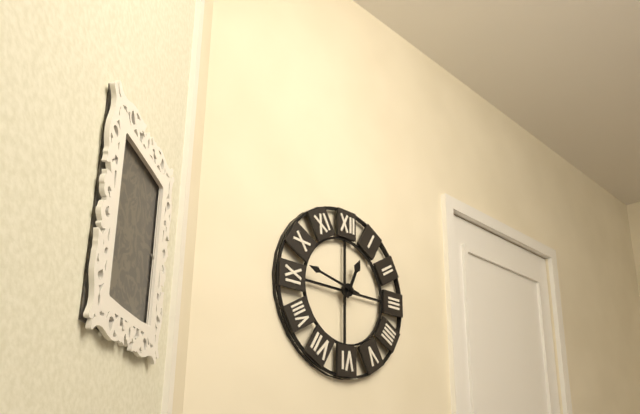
12:47
